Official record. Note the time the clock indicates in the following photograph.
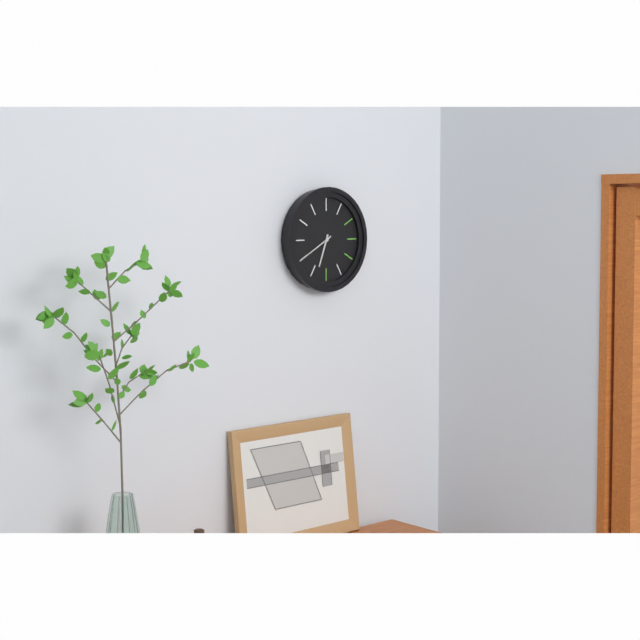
6:40
